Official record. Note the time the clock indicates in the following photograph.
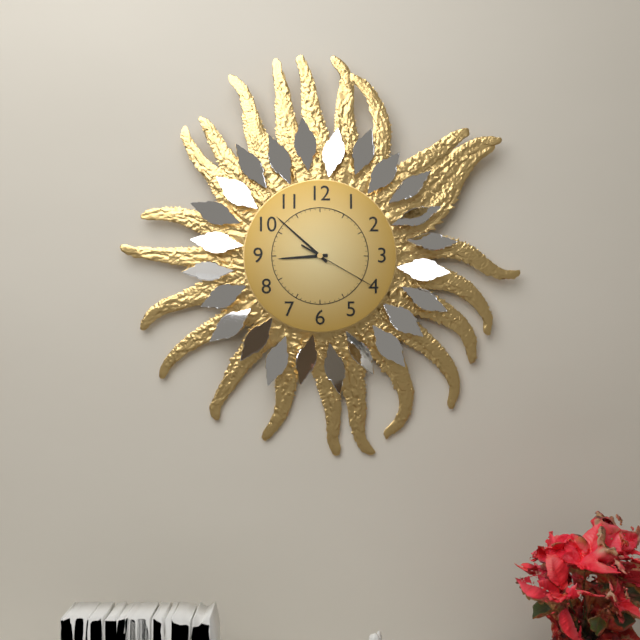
8:52:20
